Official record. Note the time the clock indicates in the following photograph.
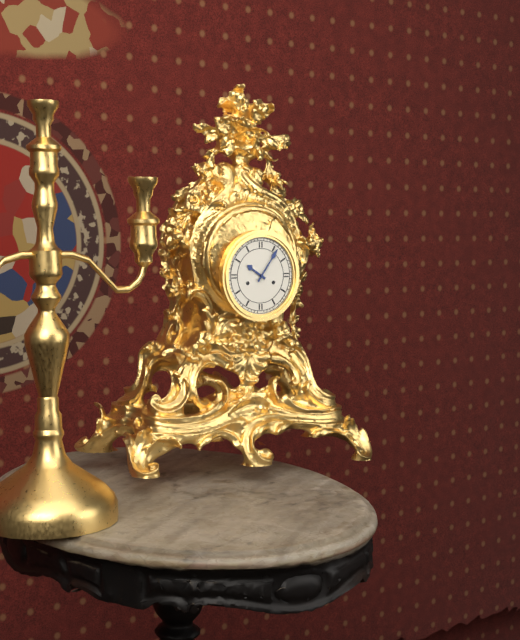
10:06
